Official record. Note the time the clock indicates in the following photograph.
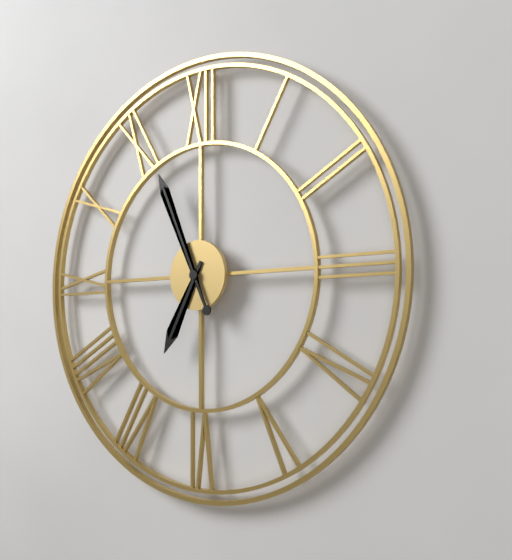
6:56
